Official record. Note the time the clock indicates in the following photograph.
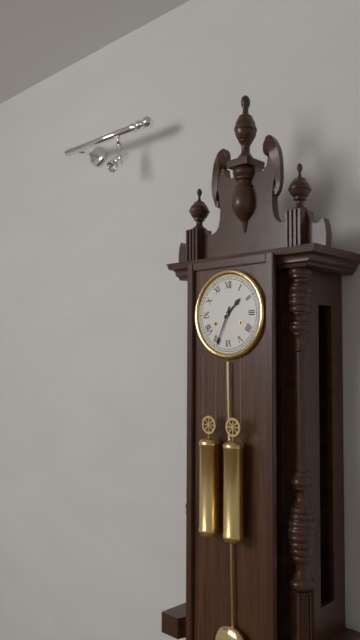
1:34
